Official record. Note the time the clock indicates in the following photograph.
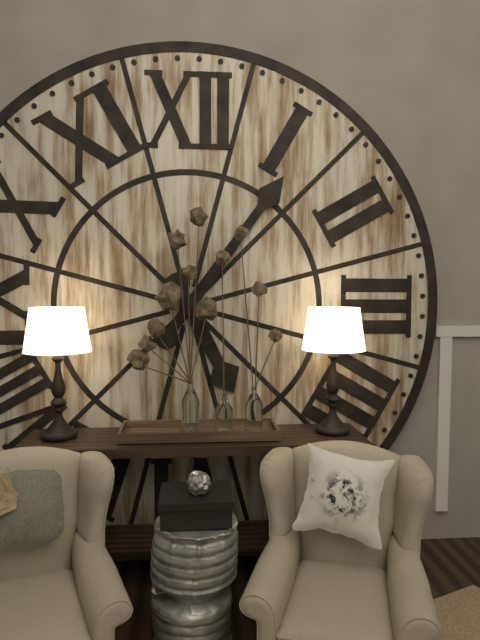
5:06
